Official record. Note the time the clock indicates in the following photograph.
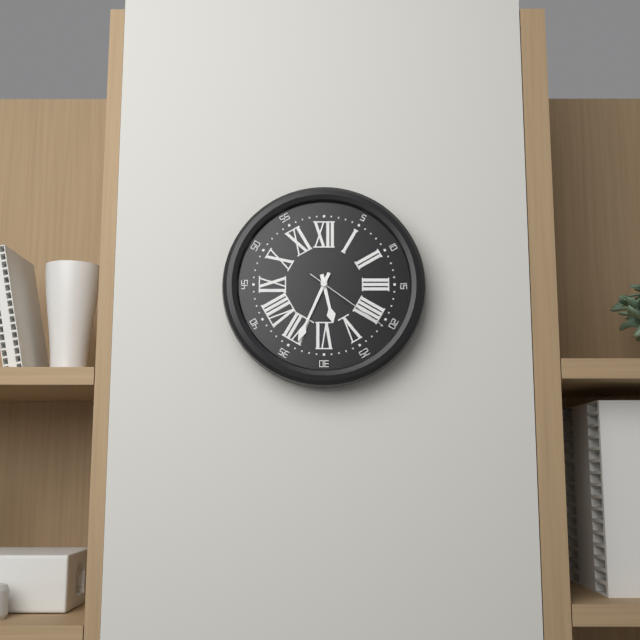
5:34:21
